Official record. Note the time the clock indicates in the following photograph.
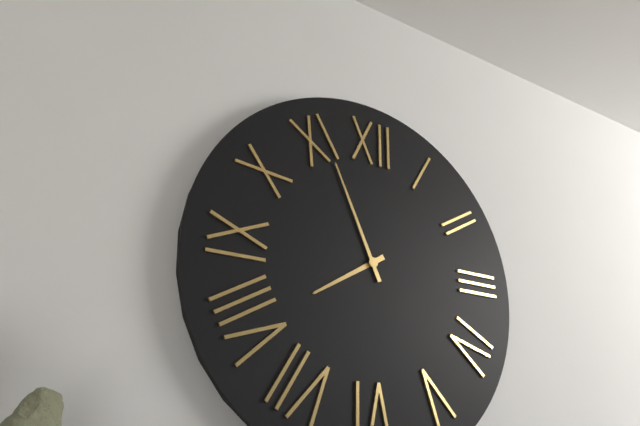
7:56
